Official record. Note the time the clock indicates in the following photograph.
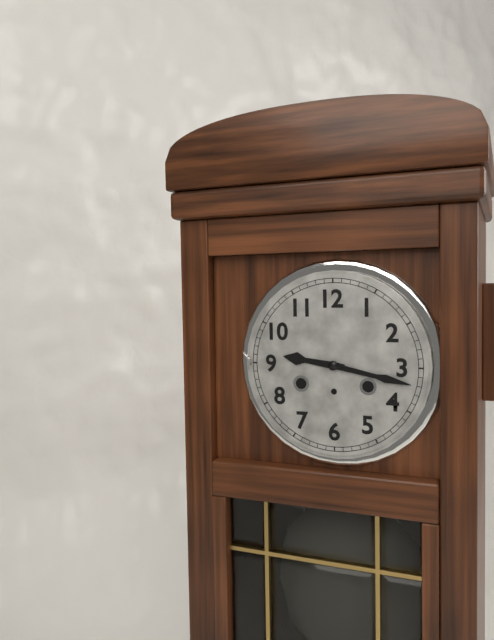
9:17
